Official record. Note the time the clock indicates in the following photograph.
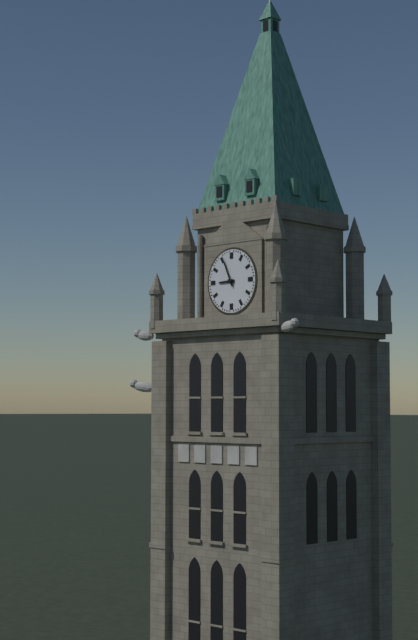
8:56
